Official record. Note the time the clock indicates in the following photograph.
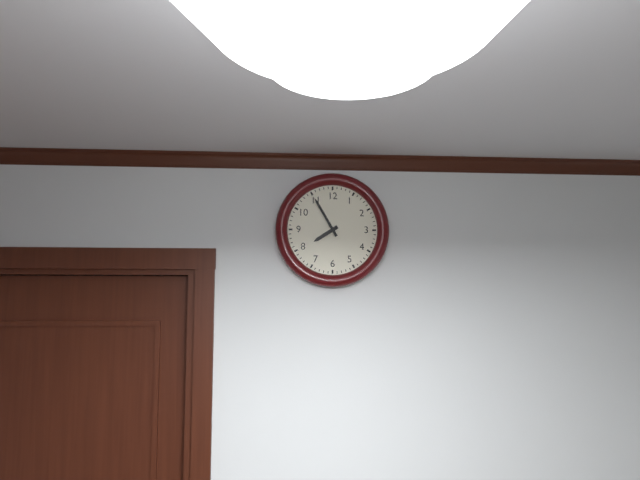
7:55
